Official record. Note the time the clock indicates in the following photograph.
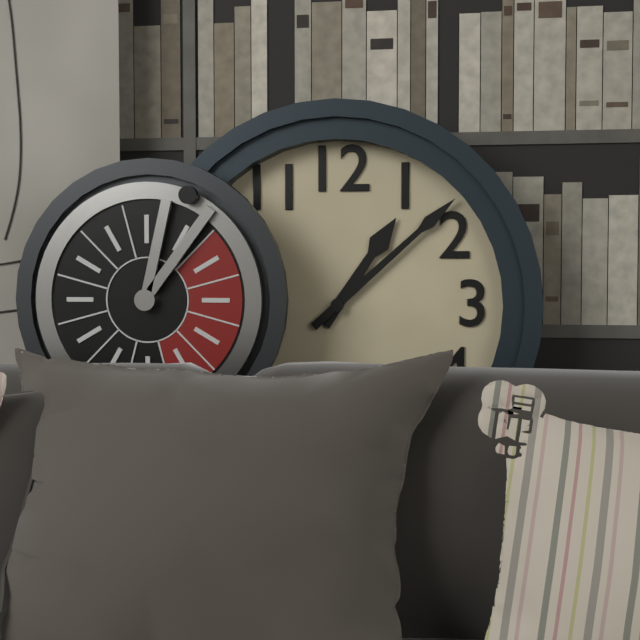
1:08
